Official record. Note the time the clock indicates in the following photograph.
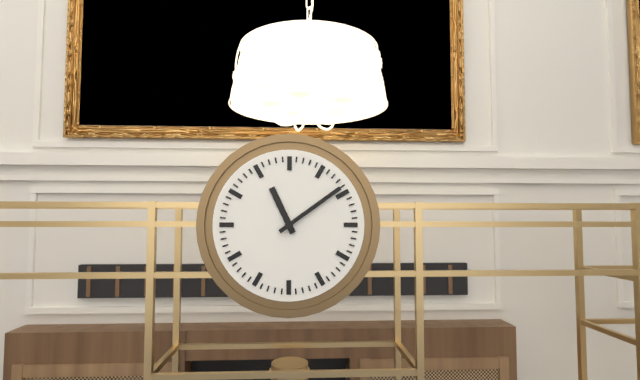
11:09
